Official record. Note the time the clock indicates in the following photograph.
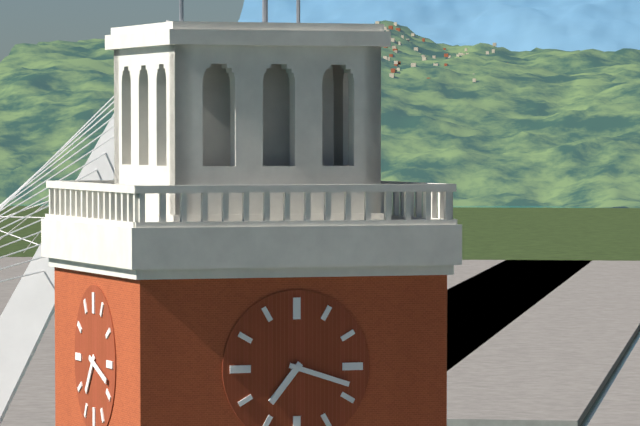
7:18
